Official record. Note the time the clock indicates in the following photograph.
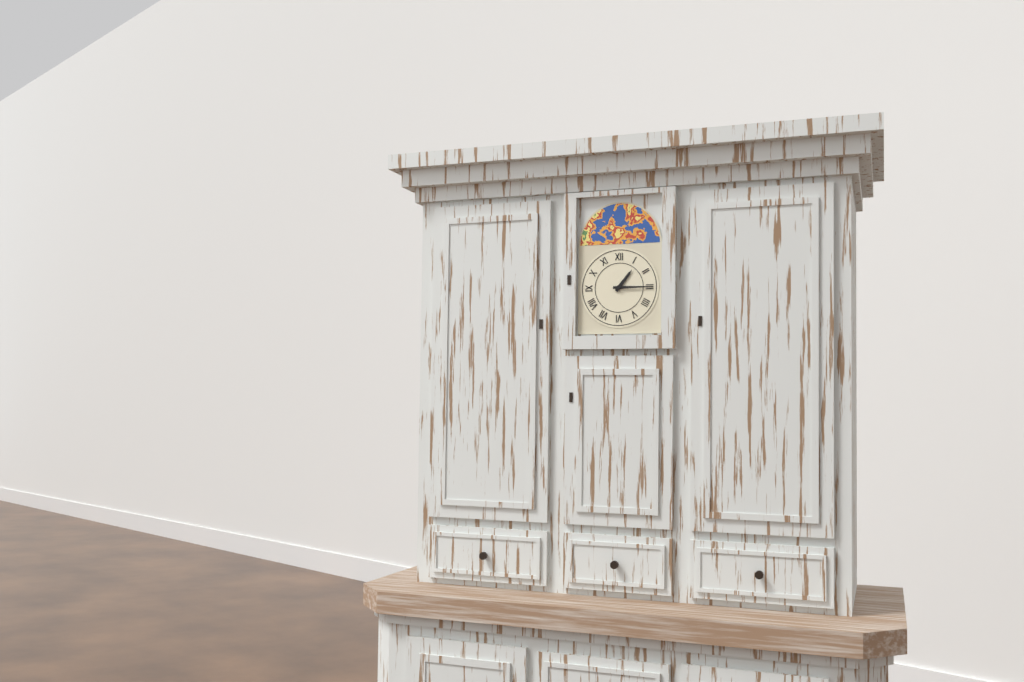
1:15
